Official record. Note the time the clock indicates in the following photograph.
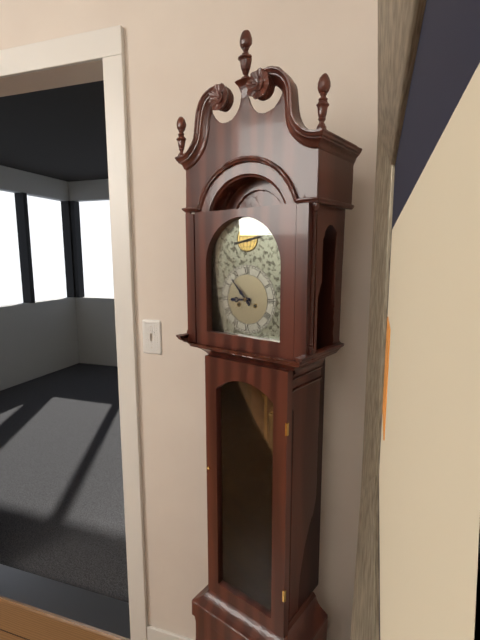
8:53
